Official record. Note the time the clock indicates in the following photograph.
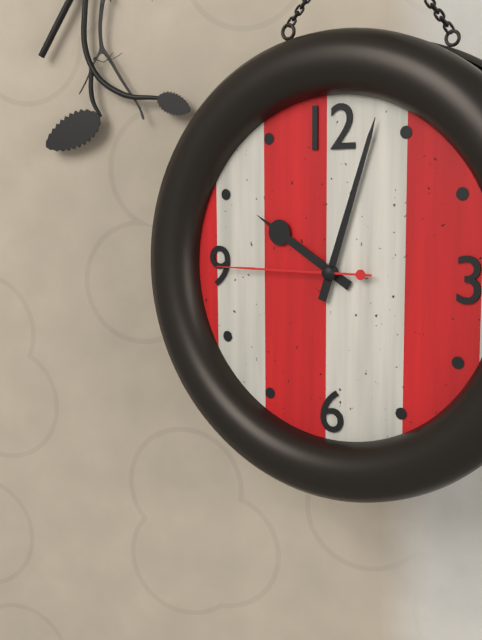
10:03:45
